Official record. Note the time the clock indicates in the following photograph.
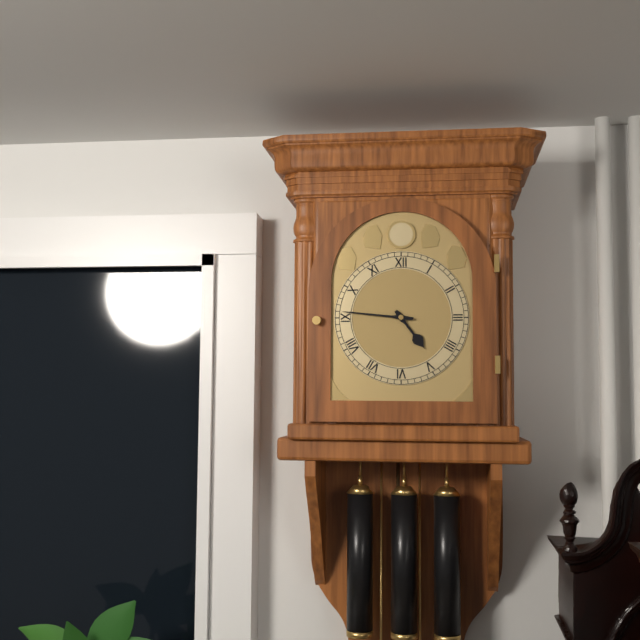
4:46
